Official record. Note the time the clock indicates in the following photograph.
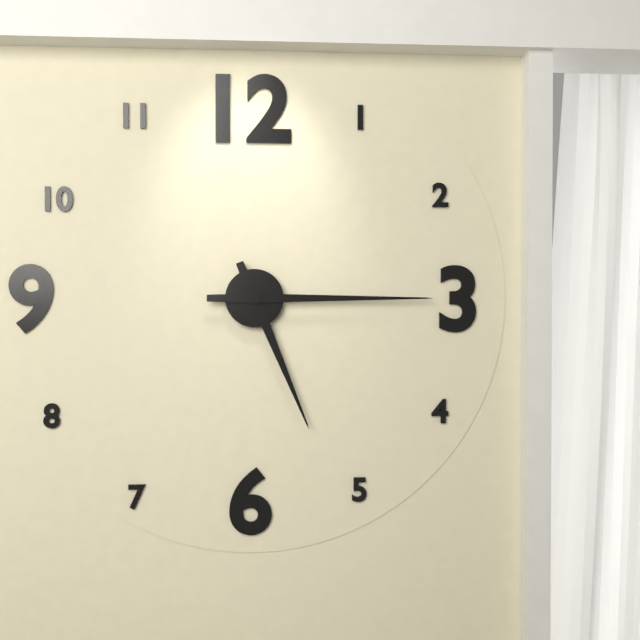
5:15
